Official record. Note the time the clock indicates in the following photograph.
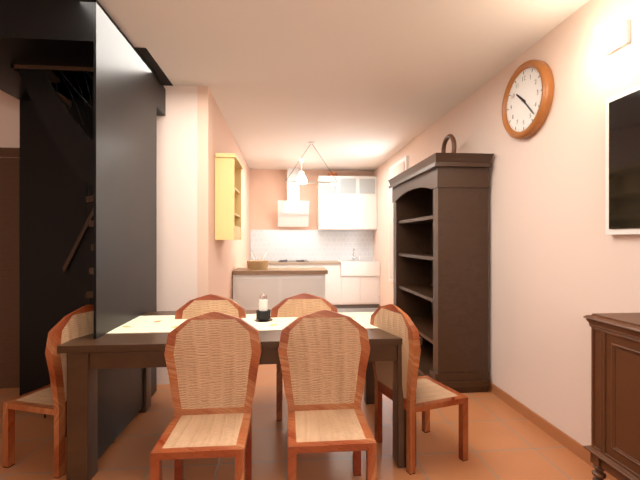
10:23
